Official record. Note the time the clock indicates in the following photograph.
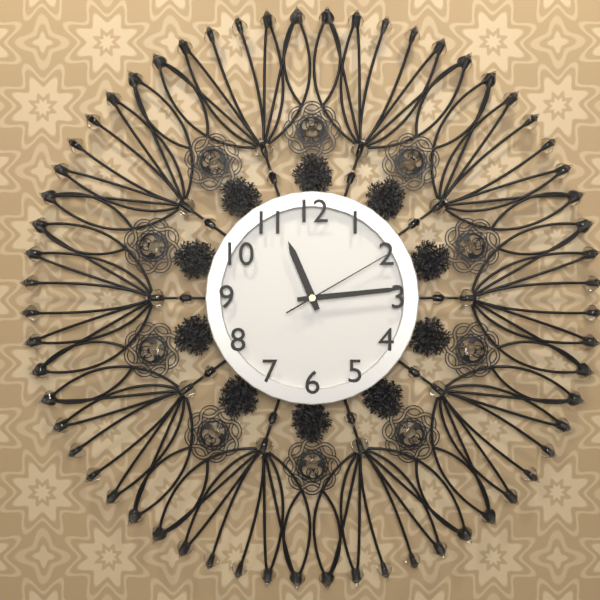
11:14:10
